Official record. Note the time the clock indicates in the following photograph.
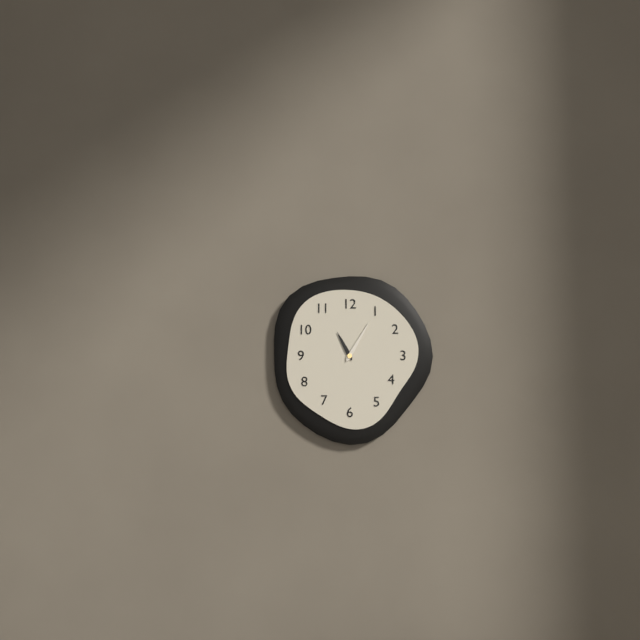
11:05
